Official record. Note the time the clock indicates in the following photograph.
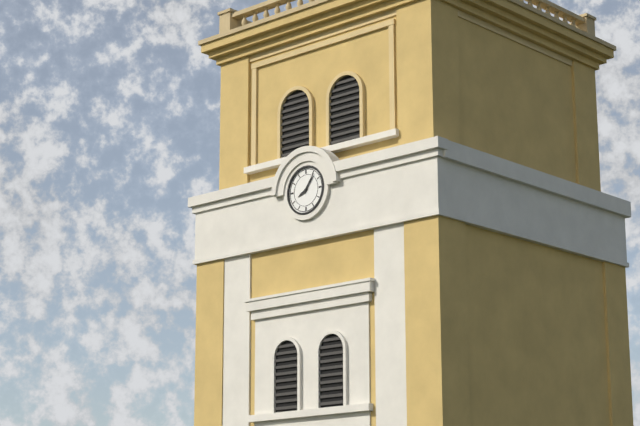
8:06
